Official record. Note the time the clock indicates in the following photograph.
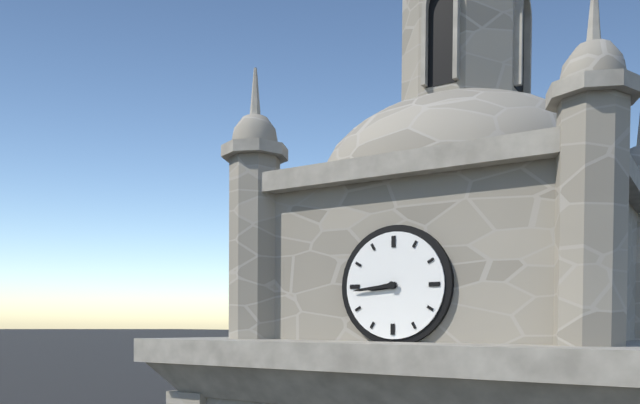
8:44
